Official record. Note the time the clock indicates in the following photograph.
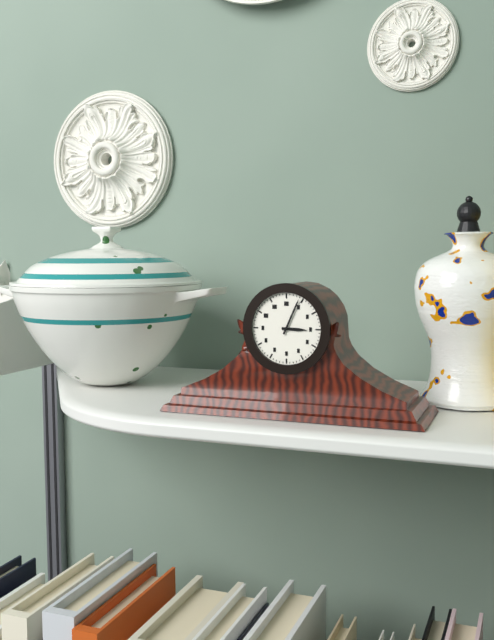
3:04
